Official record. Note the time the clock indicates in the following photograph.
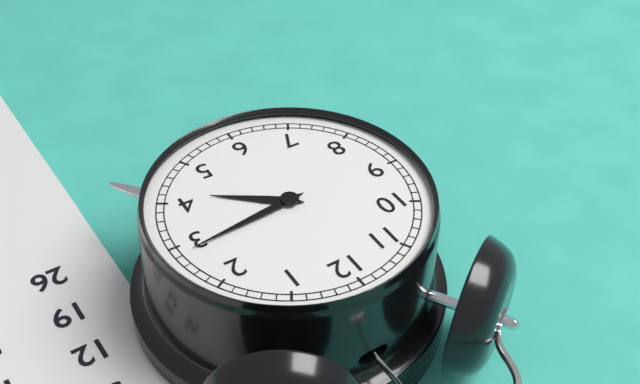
4:14
